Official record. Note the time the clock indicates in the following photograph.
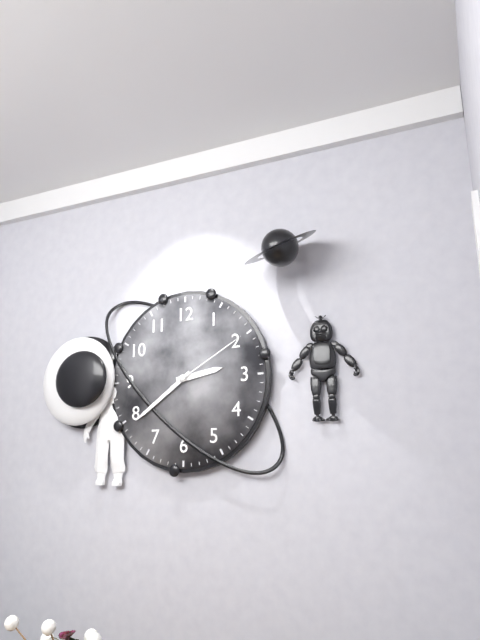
2:39:10
